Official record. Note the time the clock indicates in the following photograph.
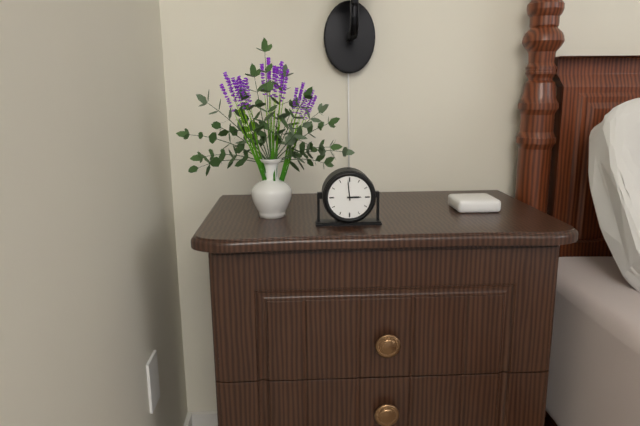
2:59
